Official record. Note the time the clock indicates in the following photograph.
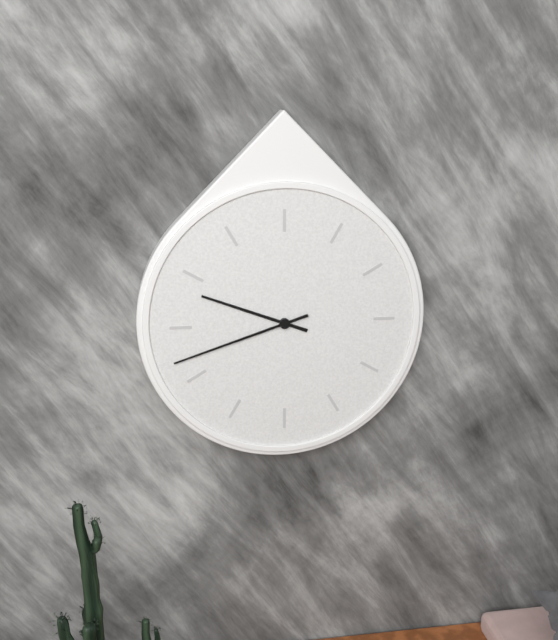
9:42
